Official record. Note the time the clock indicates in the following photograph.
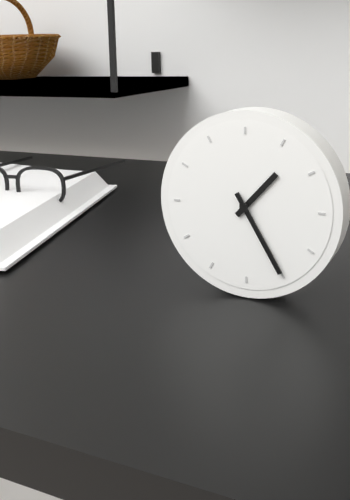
1:25
